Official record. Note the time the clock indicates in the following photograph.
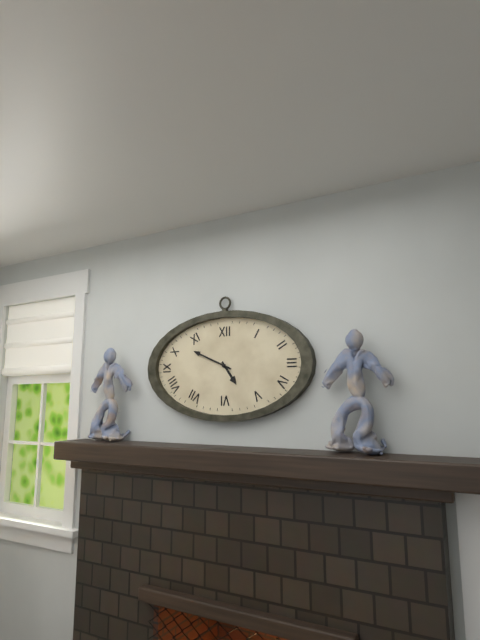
4:49
